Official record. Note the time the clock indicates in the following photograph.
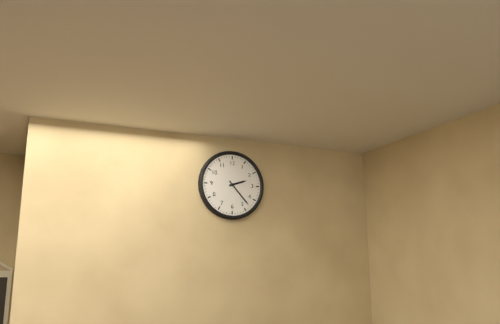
2:23
